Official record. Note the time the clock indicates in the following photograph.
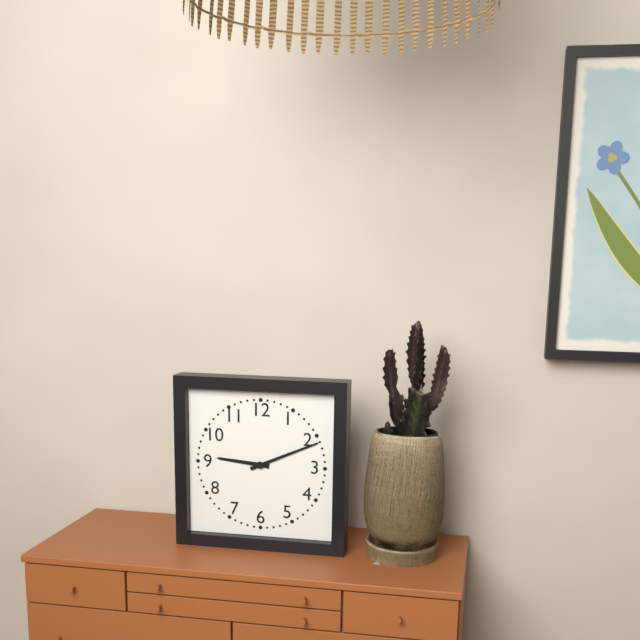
9:11
